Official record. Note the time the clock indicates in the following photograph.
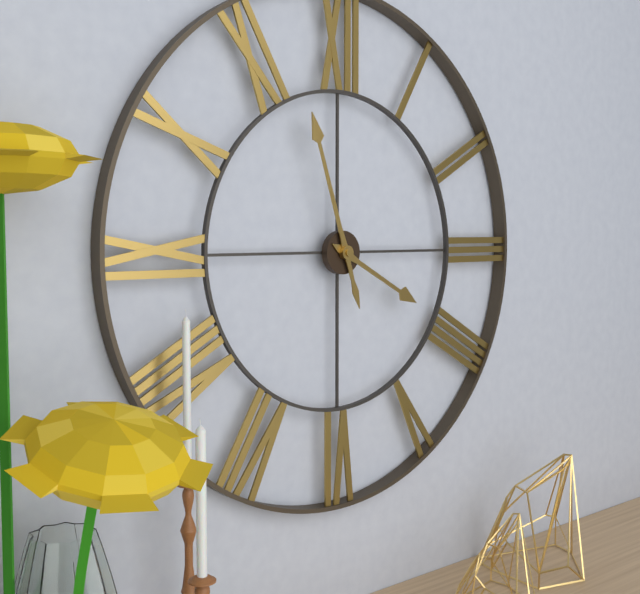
3:57
